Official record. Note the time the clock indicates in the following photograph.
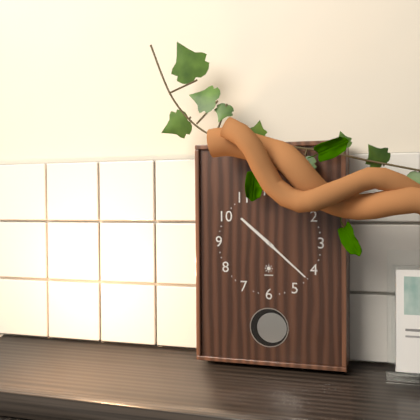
10:22
